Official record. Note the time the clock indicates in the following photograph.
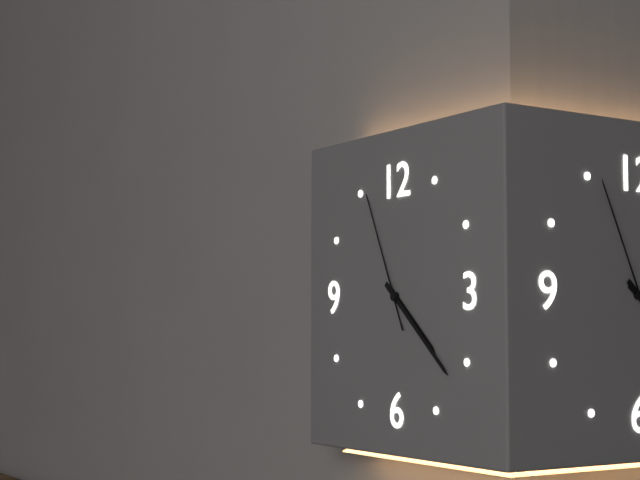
4:22:56
